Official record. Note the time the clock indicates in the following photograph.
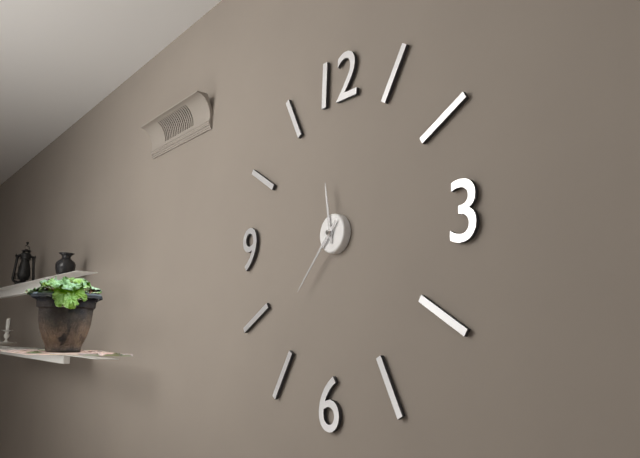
11:37
